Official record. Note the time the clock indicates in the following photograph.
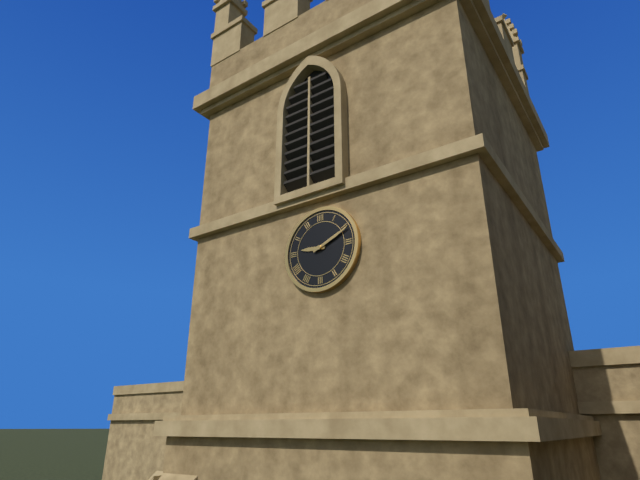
9:11
